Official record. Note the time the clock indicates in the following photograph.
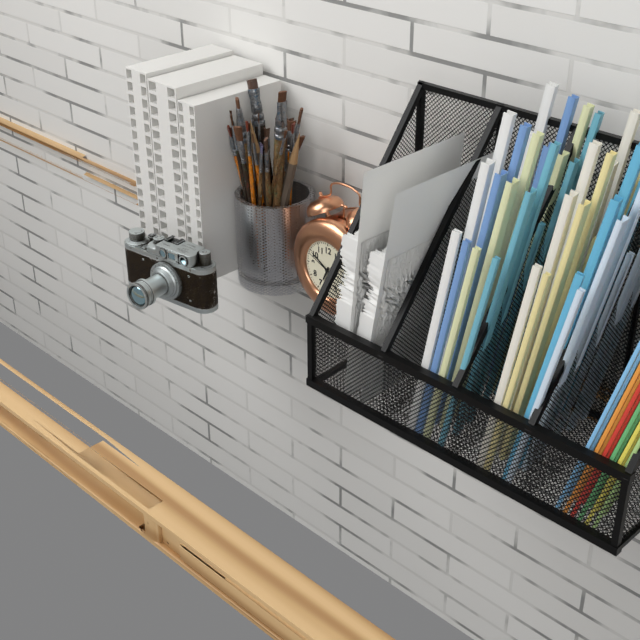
6:50
